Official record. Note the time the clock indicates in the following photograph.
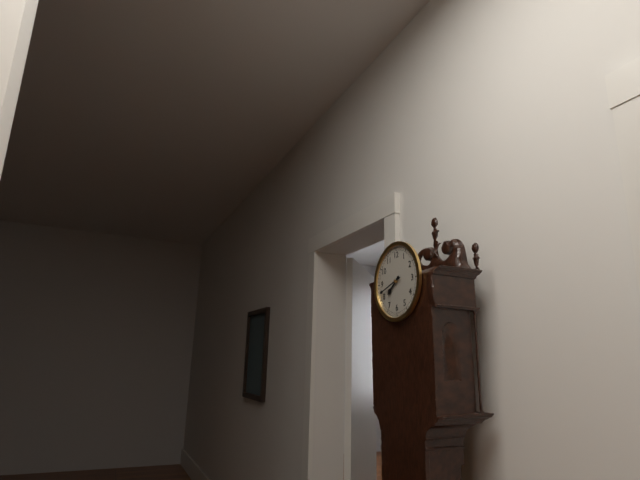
7:42
